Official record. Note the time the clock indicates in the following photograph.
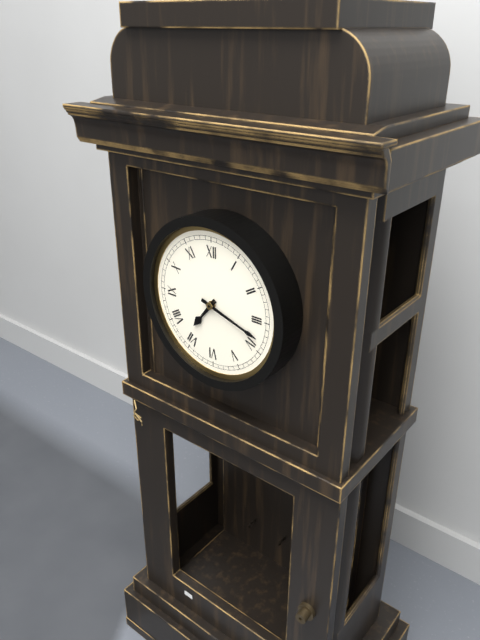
7:18
